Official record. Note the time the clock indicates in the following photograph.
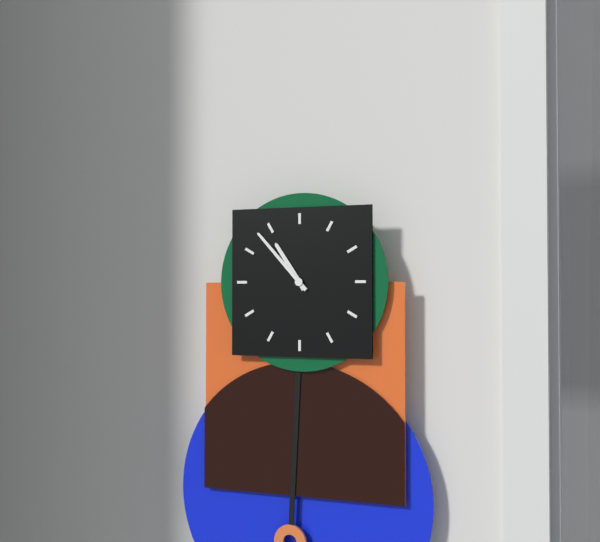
10:53
